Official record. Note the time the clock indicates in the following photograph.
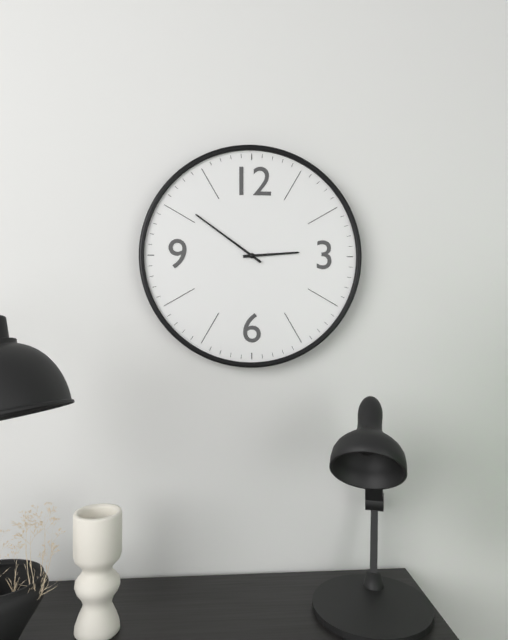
2:51
